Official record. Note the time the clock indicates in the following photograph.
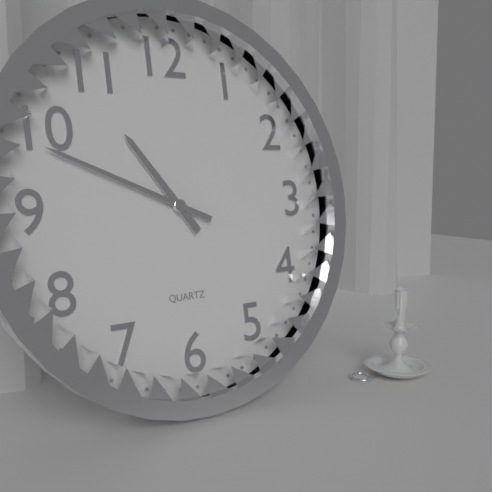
10:49
